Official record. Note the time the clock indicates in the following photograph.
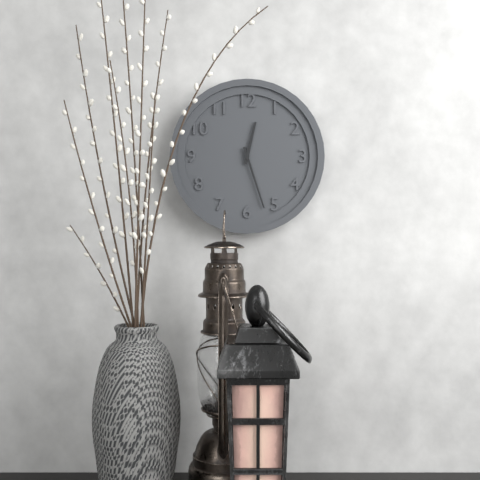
12:27
